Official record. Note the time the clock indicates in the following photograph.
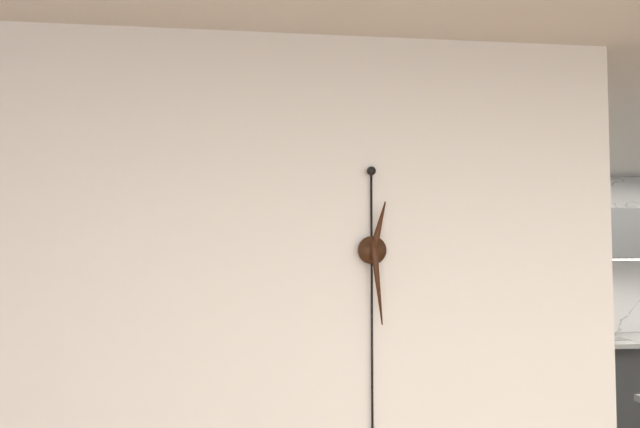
12:29
